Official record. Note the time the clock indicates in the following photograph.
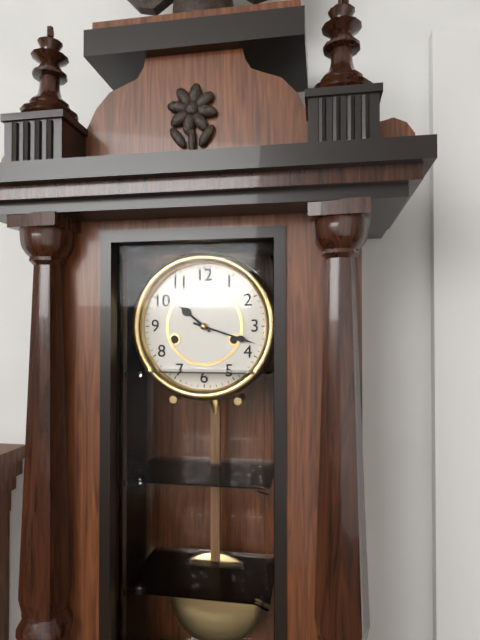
10:18
